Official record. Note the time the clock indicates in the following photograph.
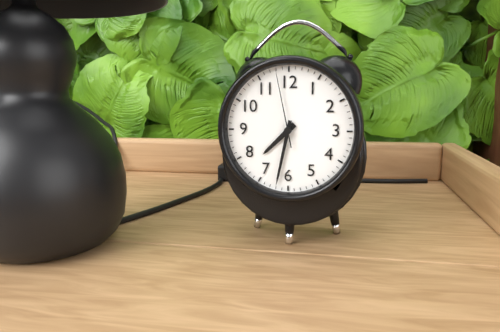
7:32:58
